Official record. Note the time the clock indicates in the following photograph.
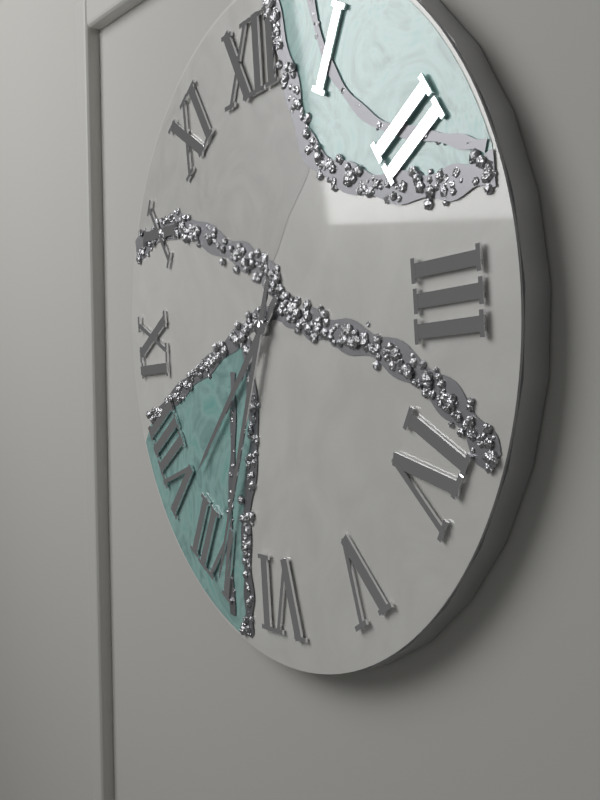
7:34
